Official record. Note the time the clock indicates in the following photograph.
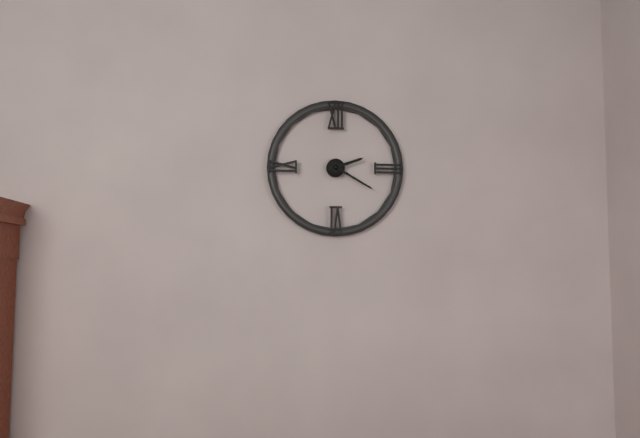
2:20
